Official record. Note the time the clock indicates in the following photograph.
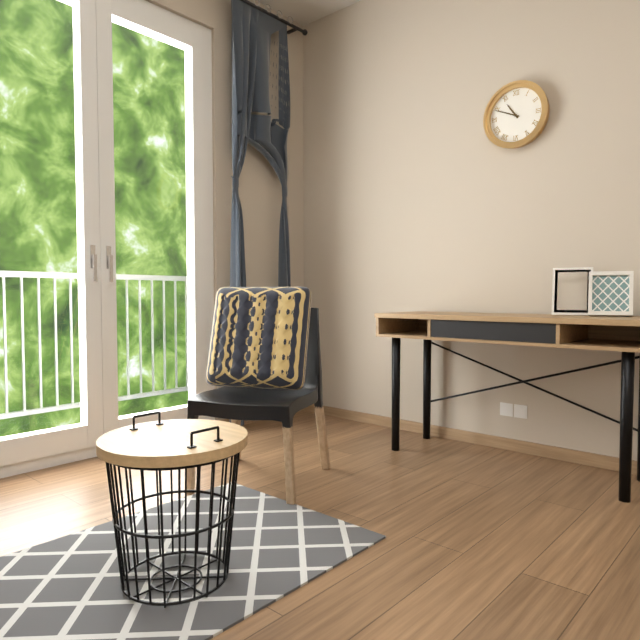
10:49
